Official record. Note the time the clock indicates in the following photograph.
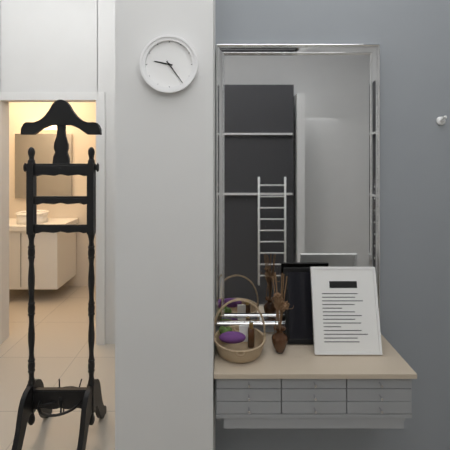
9:24
